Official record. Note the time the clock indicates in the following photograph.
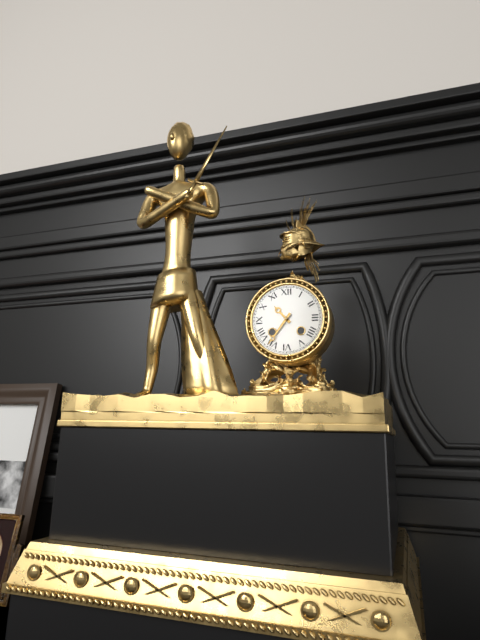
10:36
